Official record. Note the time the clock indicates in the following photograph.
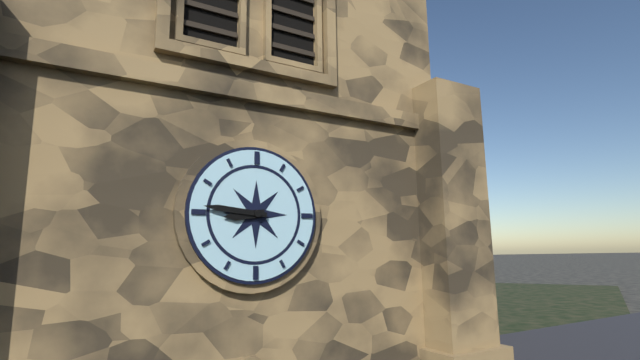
8:46
